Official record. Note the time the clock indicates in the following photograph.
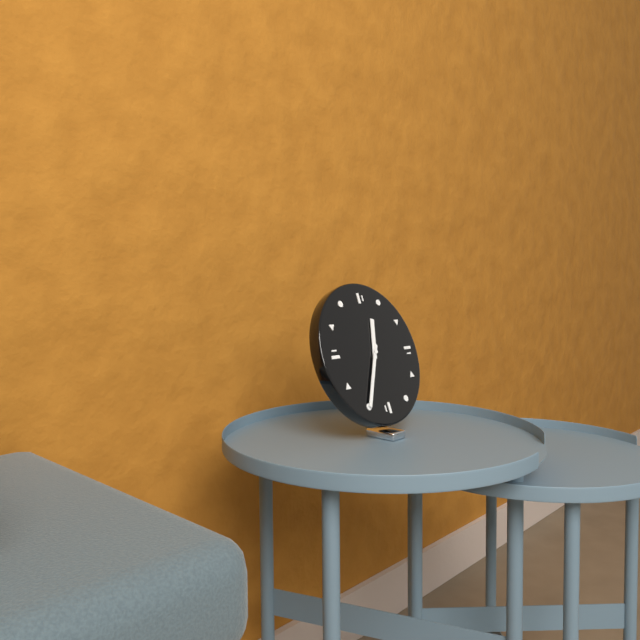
12:35
